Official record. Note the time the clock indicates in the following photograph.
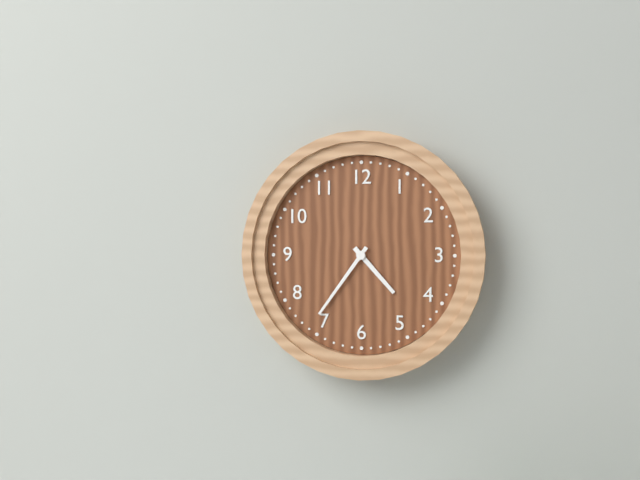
4:36
